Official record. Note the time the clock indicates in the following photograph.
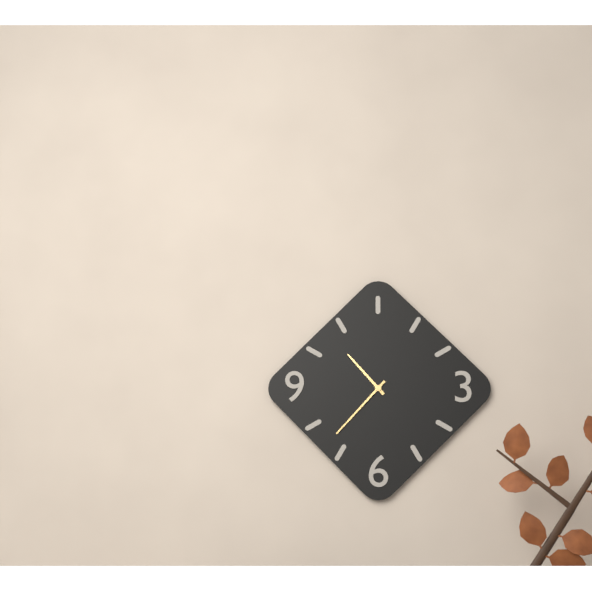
10:37
